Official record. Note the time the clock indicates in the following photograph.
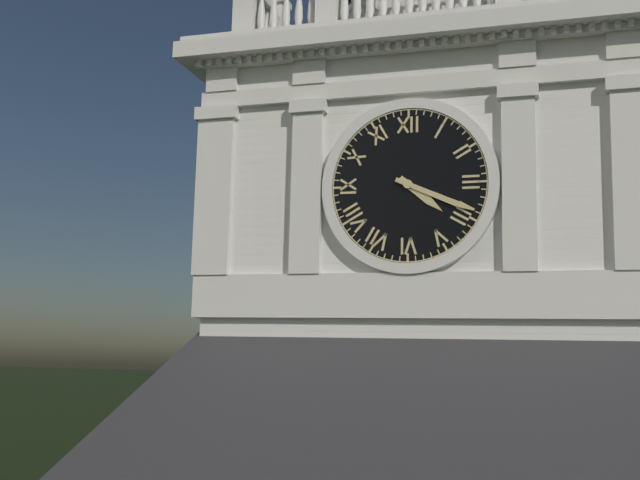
4:19
